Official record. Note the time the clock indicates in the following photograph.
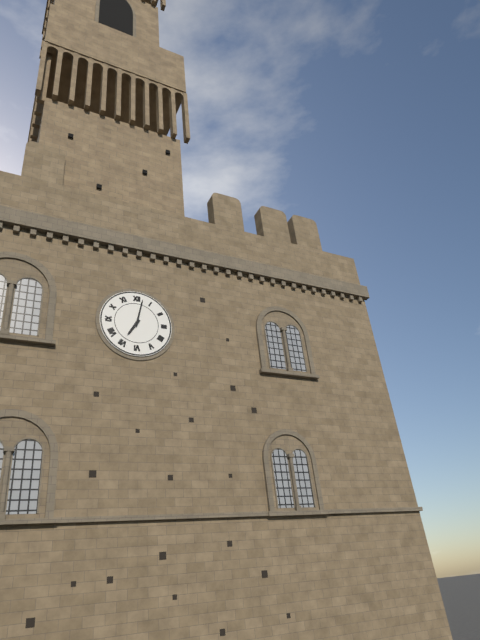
7:02
